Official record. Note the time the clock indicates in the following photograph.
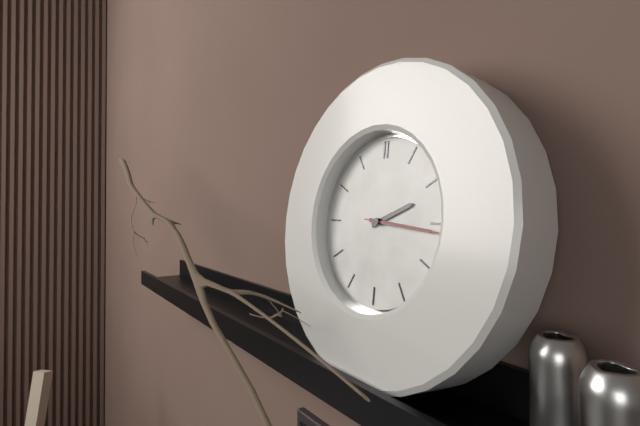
2:16:16
